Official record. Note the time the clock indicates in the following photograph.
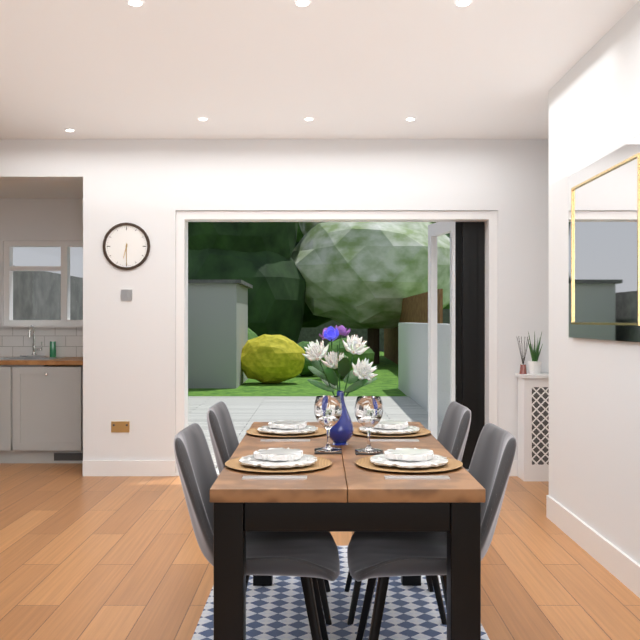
6:30
